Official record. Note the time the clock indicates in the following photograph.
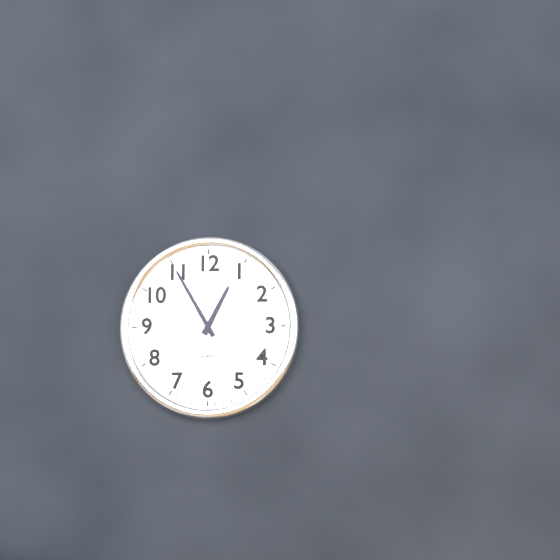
12:55
